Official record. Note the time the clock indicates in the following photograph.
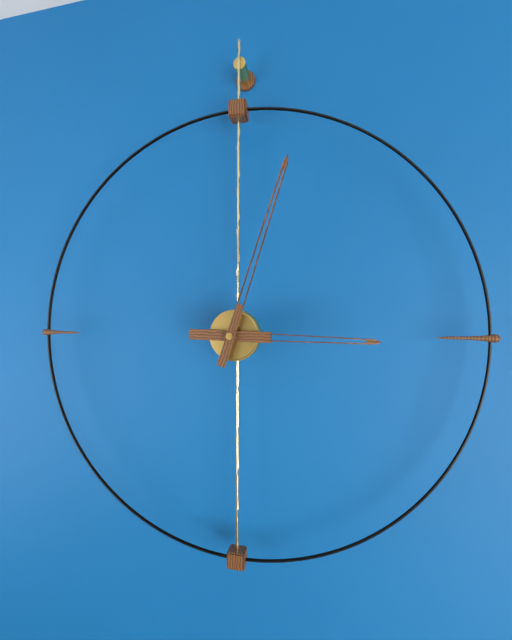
3:03
